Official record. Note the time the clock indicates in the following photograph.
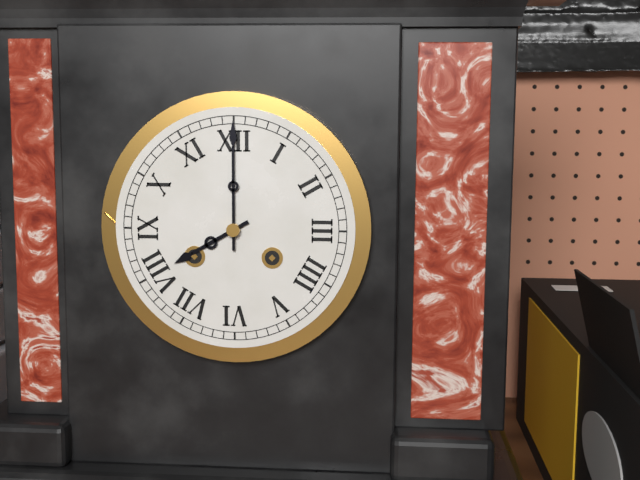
8:00
